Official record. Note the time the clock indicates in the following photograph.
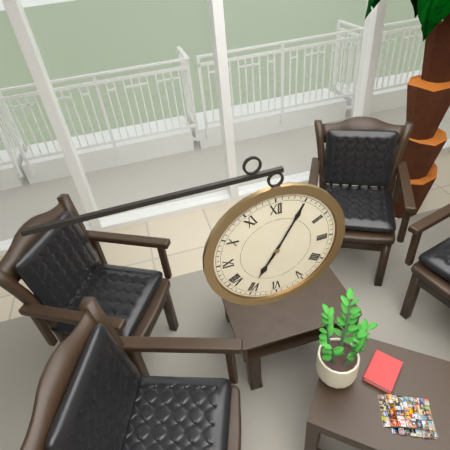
7:05
